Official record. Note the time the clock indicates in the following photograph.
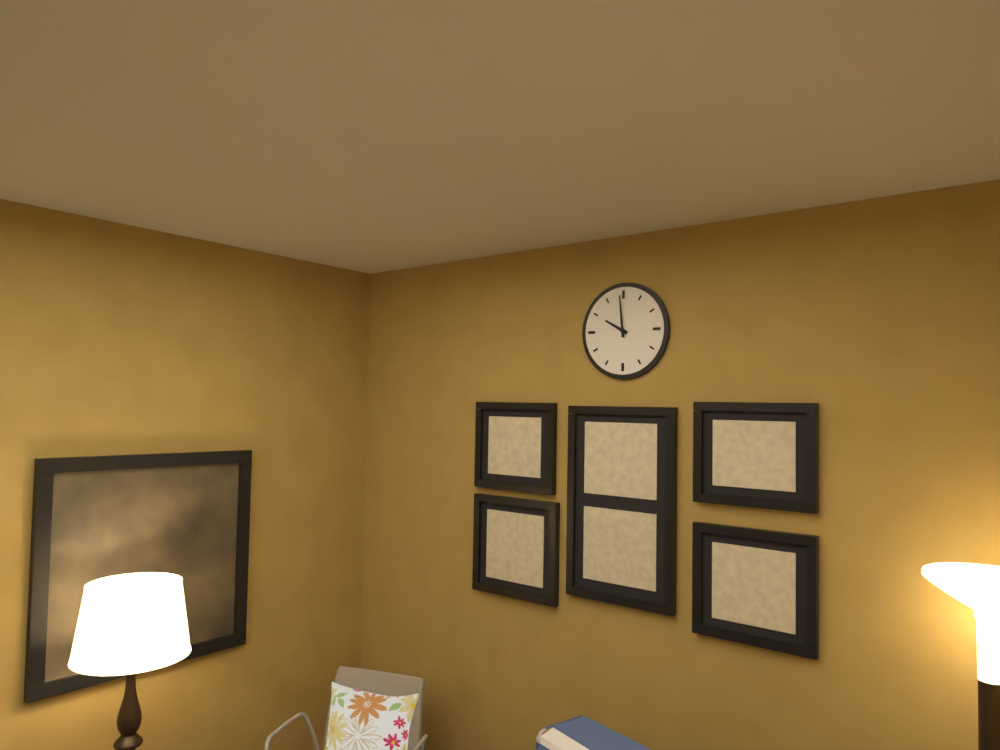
9:59
